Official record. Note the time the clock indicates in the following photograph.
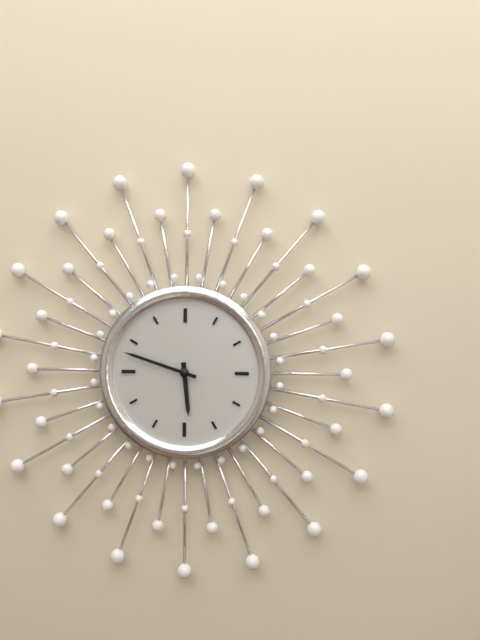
5:48
